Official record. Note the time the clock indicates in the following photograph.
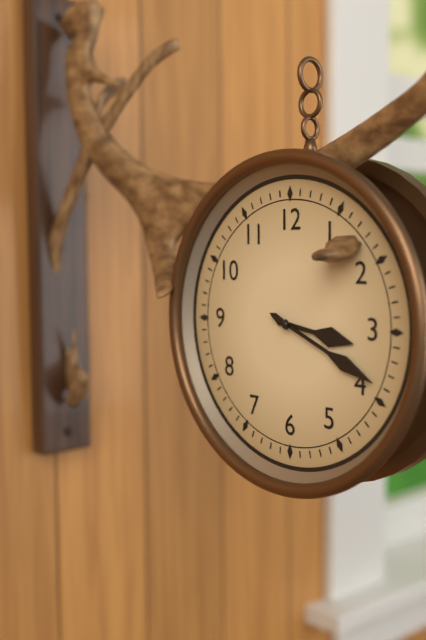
3:19
